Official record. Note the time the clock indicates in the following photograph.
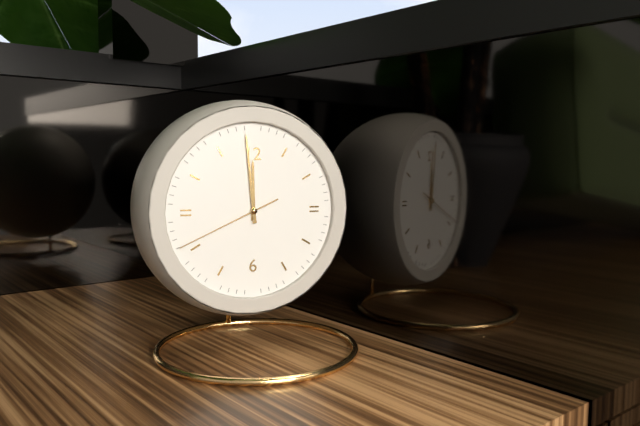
11:59:41
